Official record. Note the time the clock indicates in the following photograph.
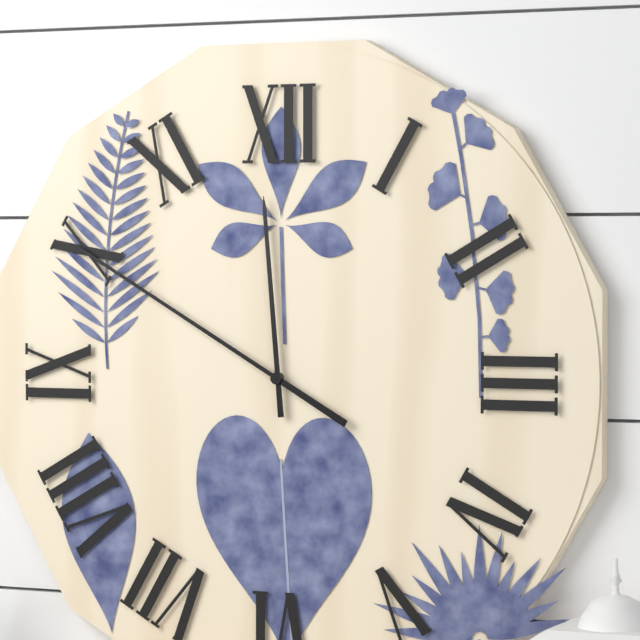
11:50
